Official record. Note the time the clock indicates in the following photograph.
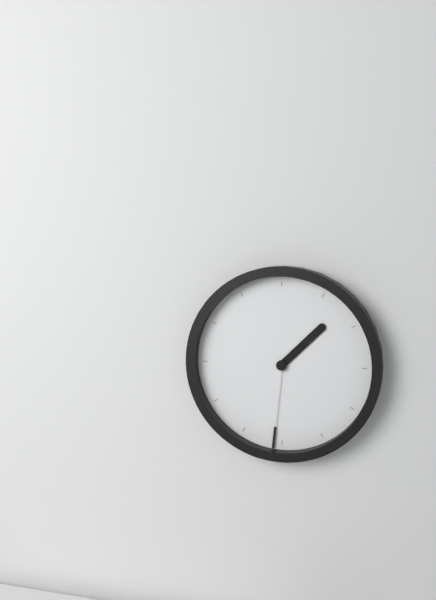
1:31
